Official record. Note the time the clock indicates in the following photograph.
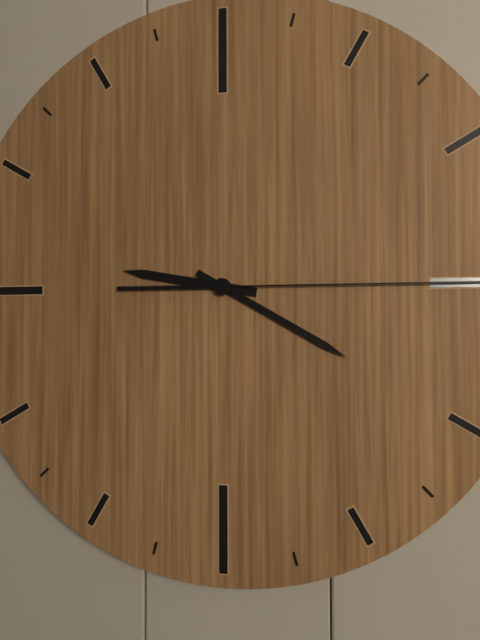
9:20
